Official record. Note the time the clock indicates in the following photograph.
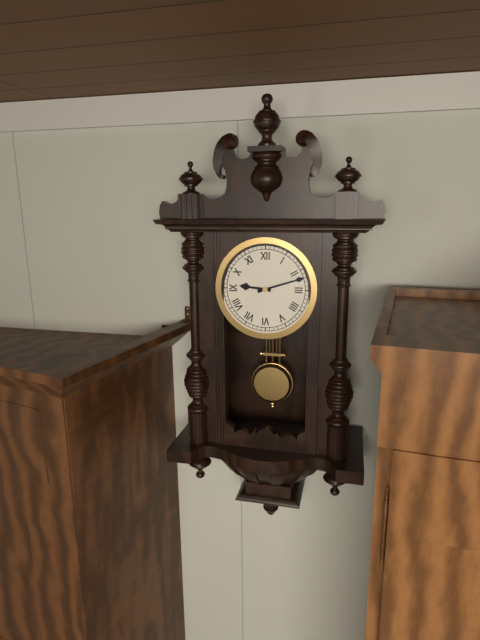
9:12
